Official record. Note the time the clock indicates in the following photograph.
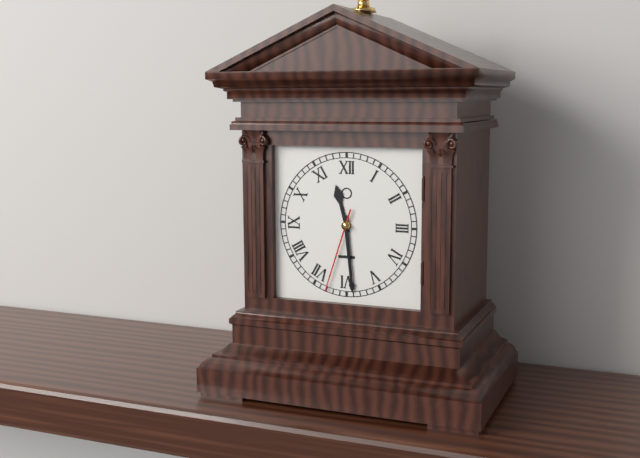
11:29:33
